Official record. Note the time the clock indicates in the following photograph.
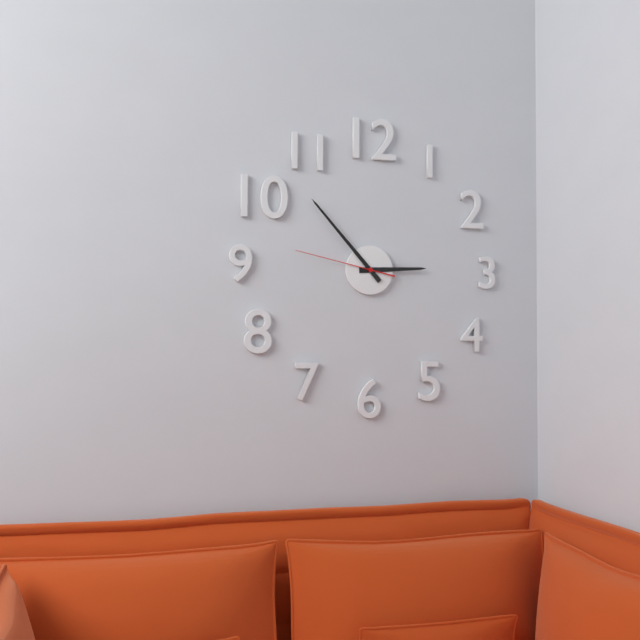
2:53:47
